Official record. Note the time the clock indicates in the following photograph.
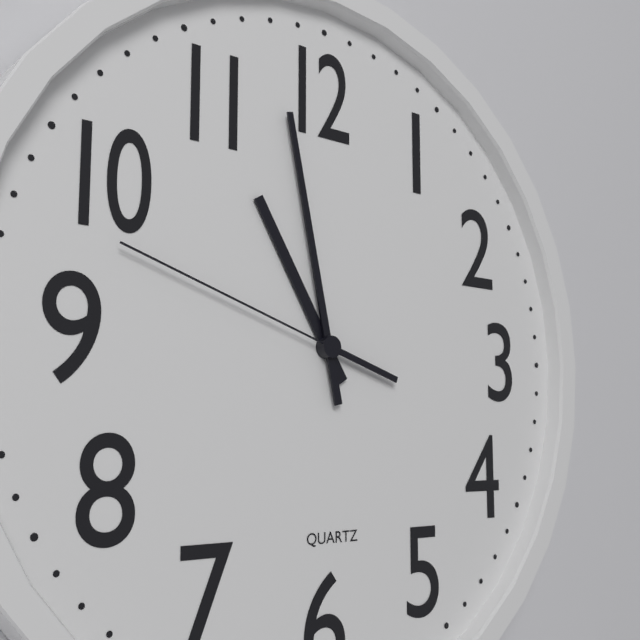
10:58:48
